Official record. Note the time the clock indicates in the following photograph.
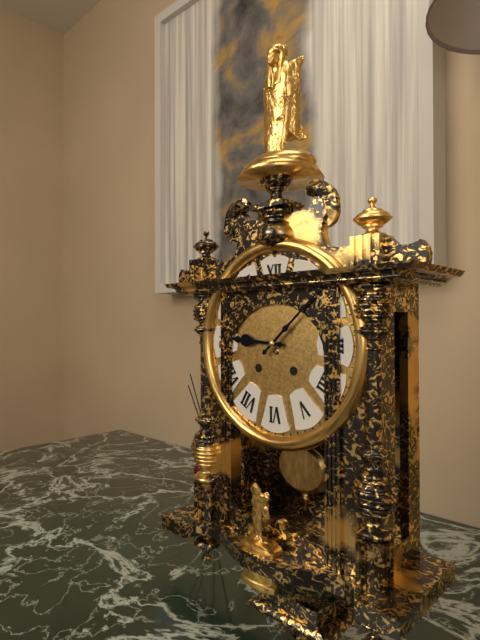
9:08
